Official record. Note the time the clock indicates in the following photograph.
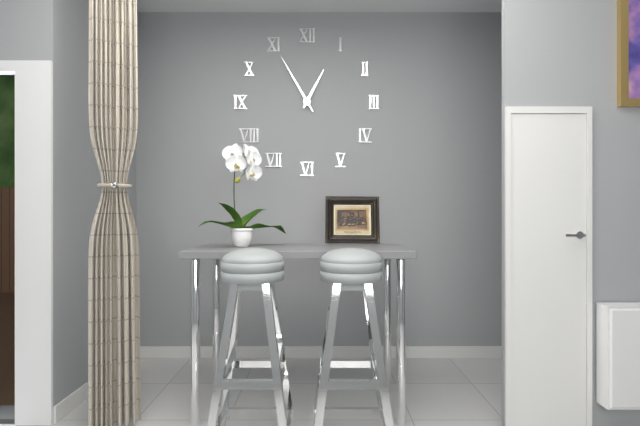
12:55
